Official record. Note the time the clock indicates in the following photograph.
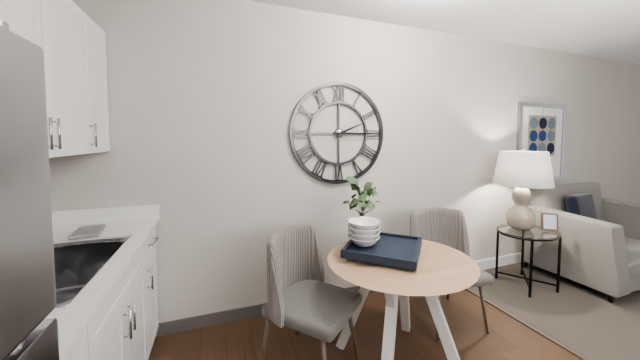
2:15
